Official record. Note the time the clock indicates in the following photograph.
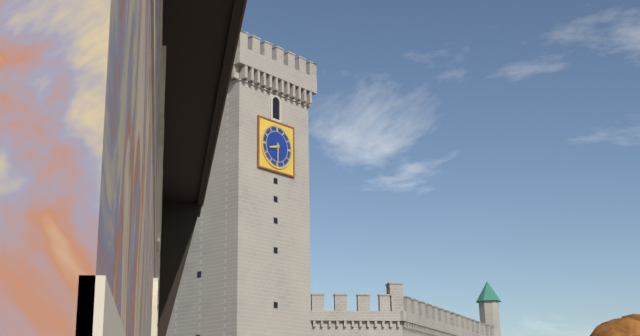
8:30
